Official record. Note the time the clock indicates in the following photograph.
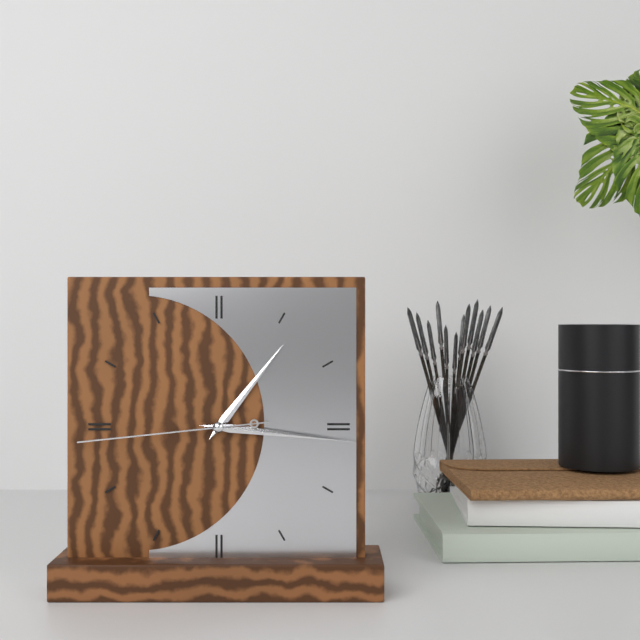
1:16:44
